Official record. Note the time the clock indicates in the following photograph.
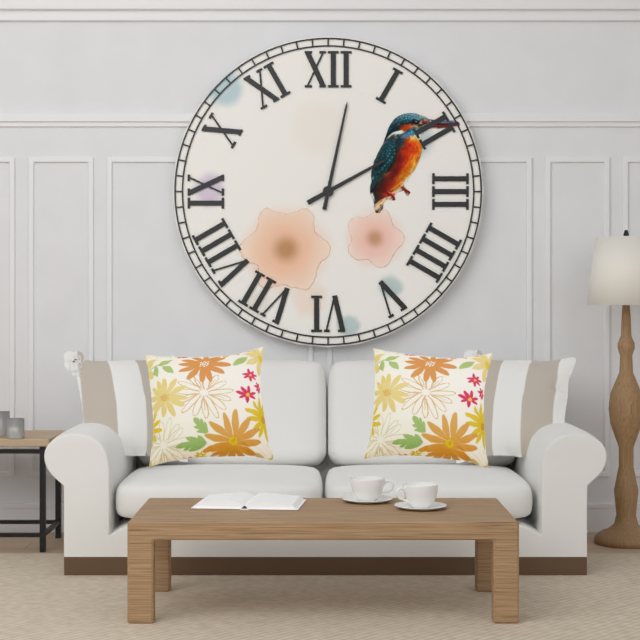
2:02
